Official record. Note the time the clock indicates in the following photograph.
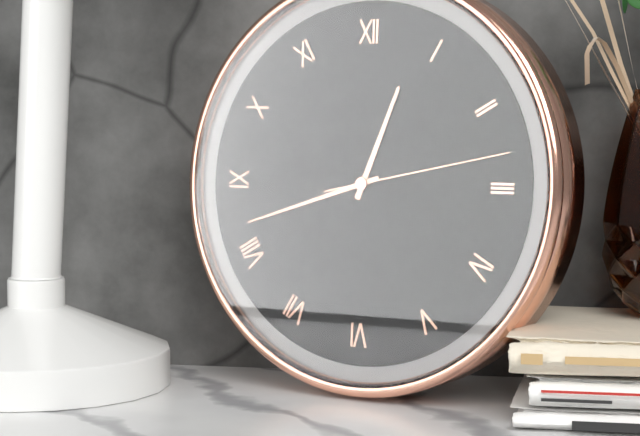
12:42:13
